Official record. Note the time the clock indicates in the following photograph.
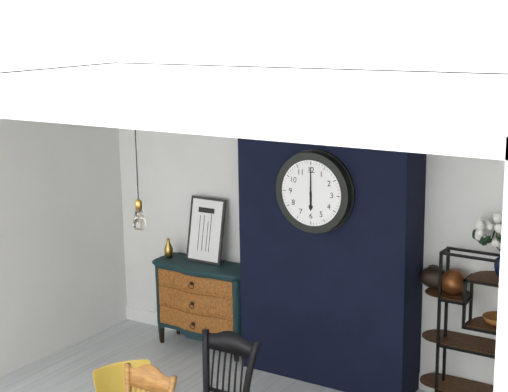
6:00
